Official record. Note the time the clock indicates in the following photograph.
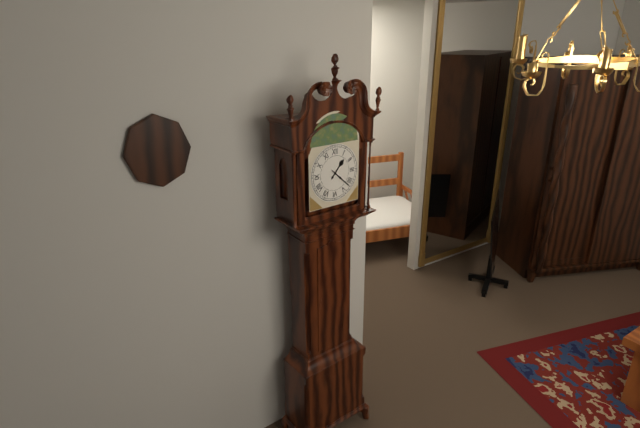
1:22
